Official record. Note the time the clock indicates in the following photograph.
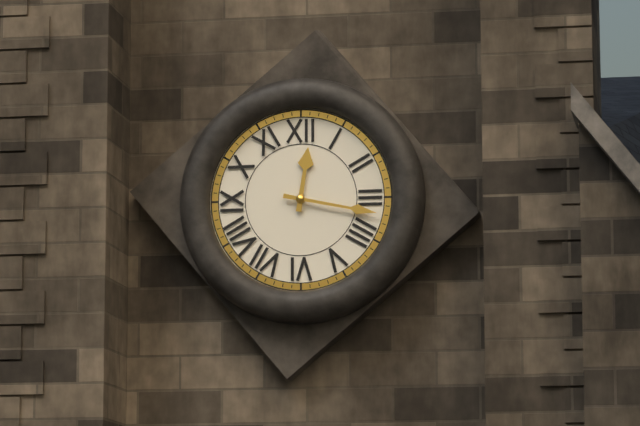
12:17
